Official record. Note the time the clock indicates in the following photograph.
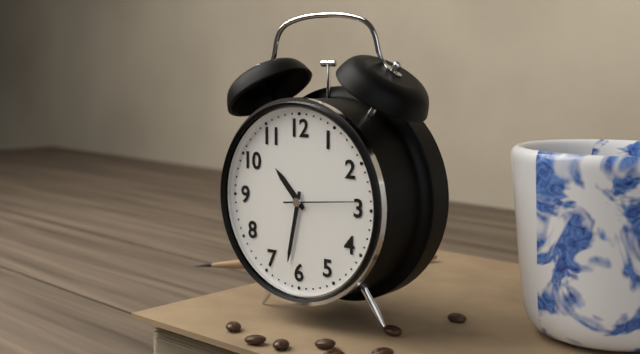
10:32:14
